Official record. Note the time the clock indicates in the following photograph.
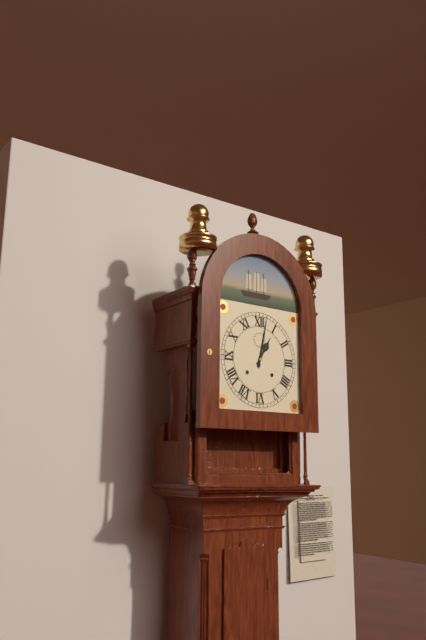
1:02
